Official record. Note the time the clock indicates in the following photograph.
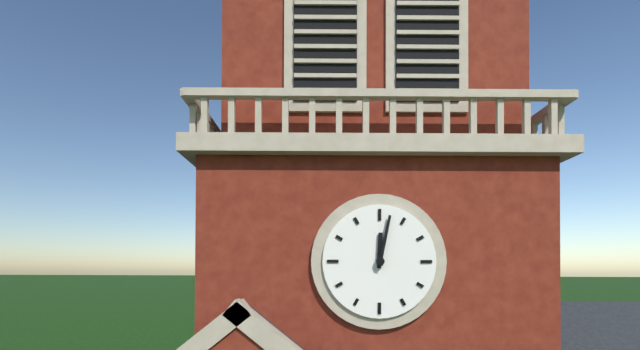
12:02
